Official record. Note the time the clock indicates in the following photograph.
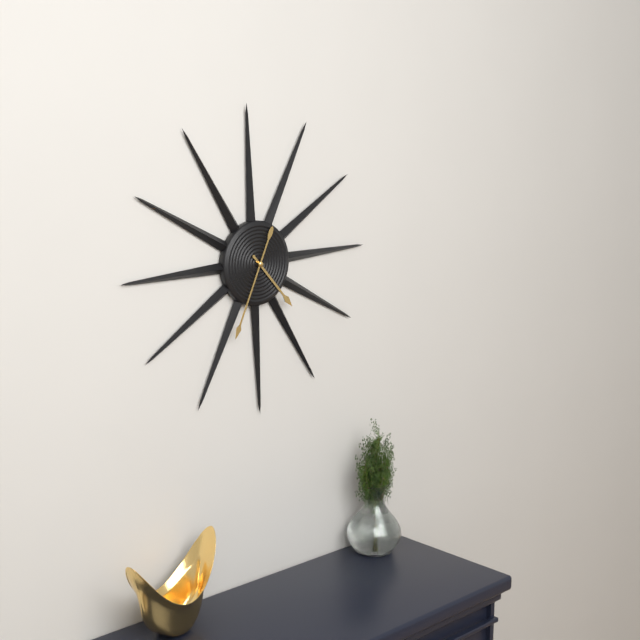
4:34
